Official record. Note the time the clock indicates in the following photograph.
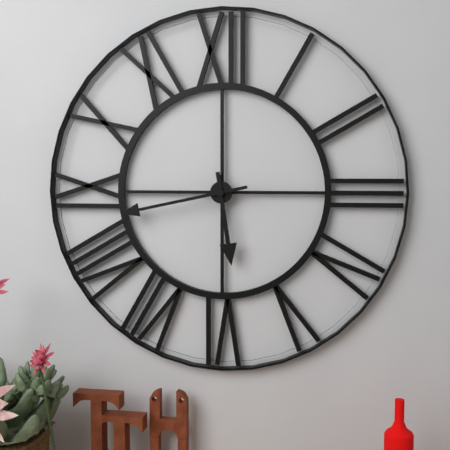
5:43
